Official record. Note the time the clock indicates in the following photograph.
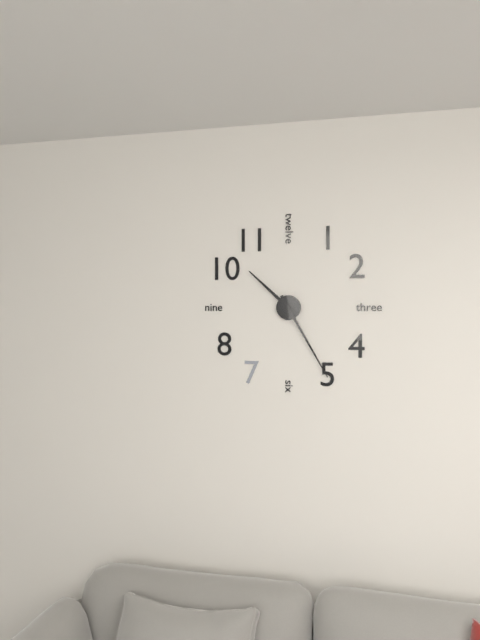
10:25
